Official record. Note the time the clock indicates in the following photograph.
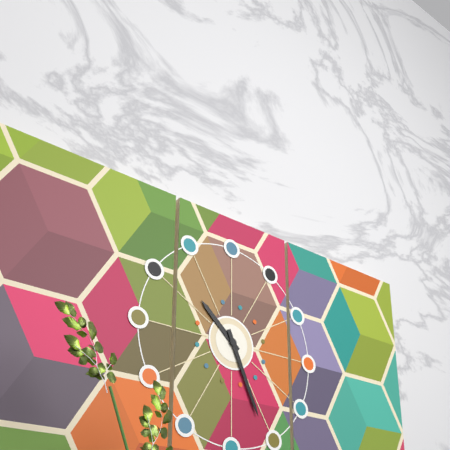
10:26
